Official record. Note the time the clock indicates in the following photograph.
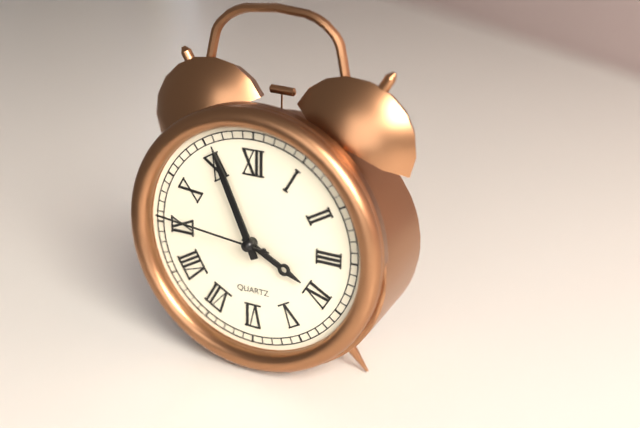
3:56:46
